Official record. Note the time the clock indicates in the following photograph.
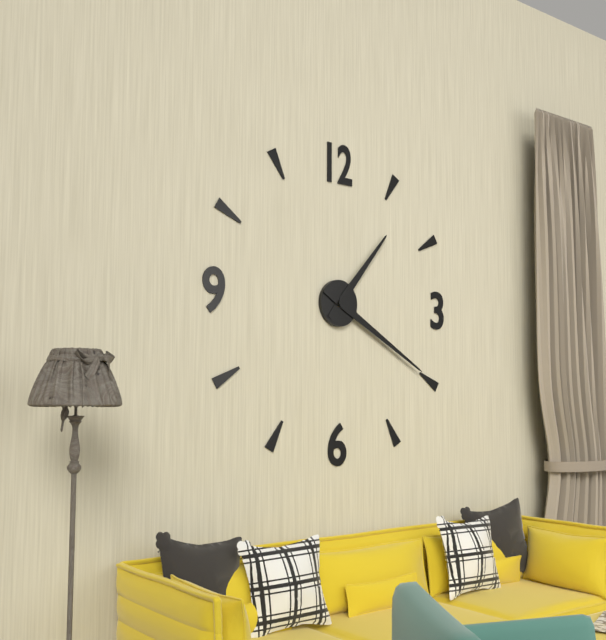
1:20
